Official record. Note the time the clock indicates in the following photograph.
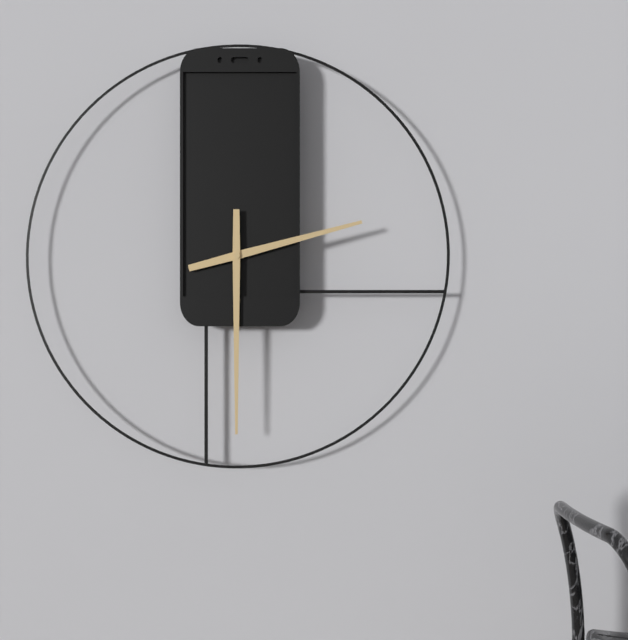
2:30
